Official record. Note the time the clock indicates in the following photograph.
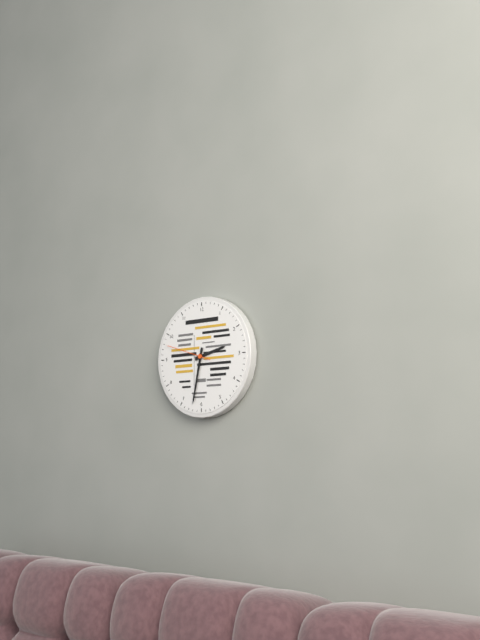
2:32
